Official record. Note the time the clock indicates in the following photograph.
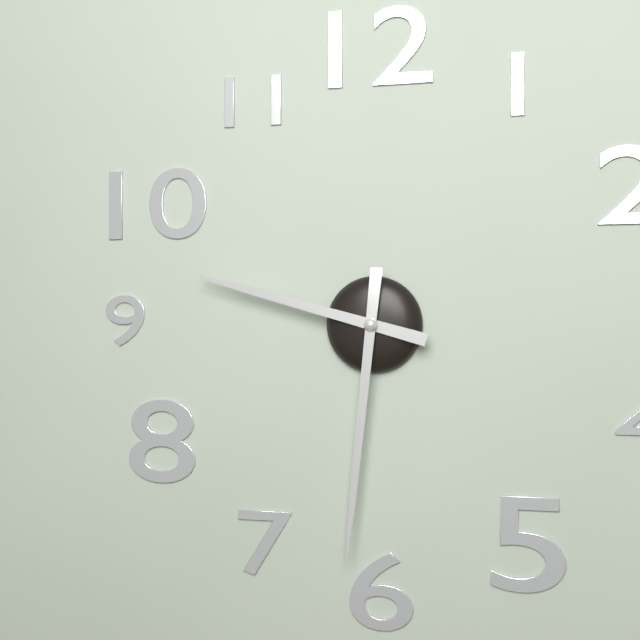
9:31
